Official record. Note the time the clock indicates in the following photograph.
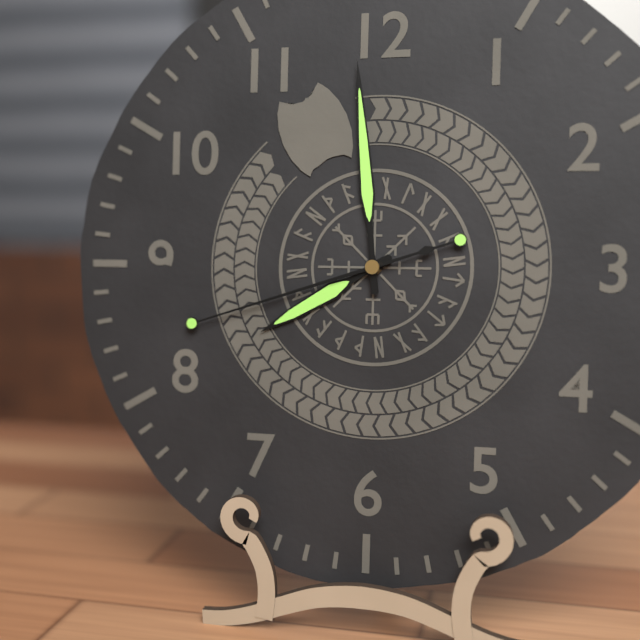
7:59:42
